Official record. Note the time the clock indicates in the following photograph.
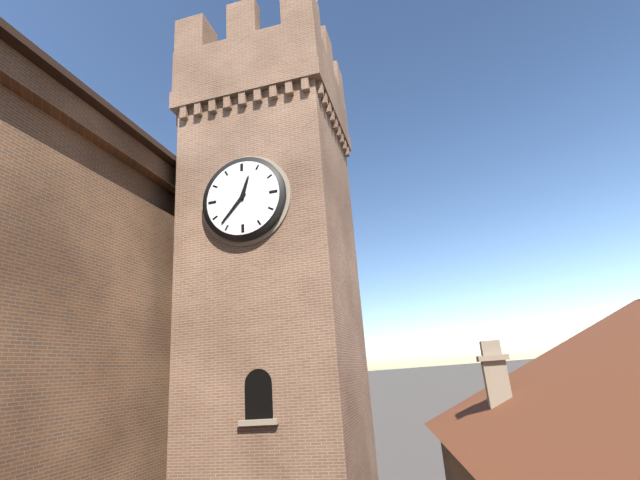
12:37
